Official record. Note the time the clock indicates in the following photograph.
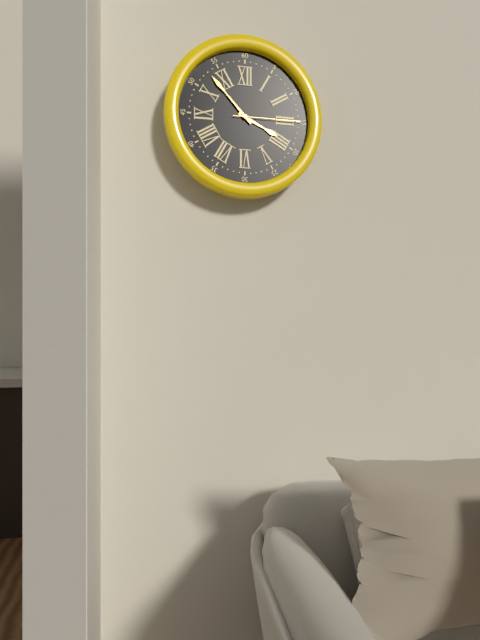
3:53:15
